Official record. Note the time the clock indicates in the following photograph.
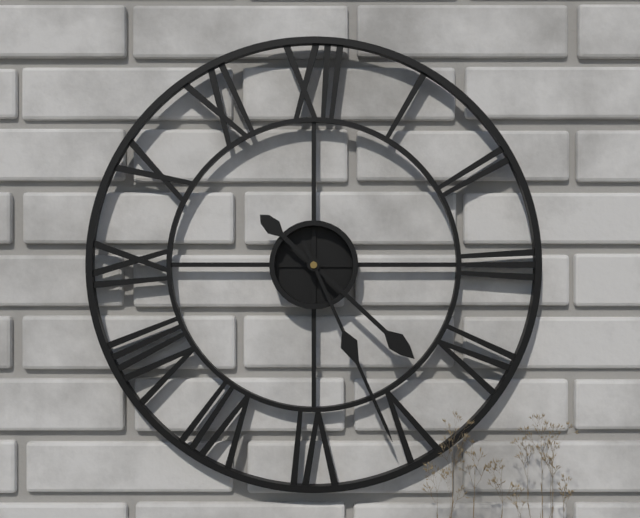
4:26
